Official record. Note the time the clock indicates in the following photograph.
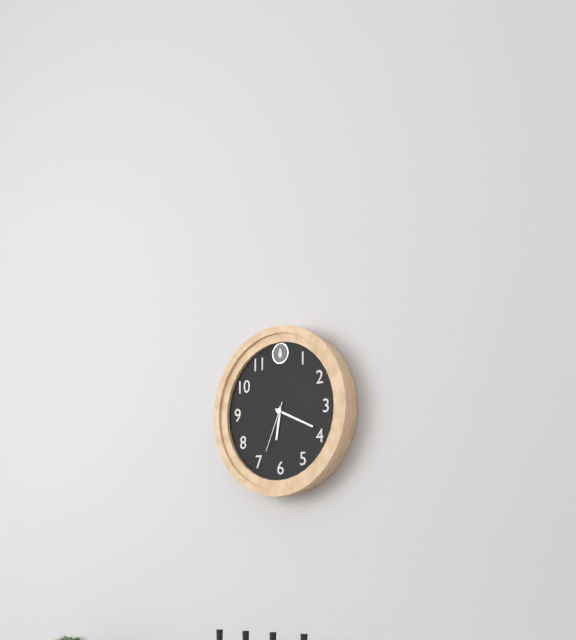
6:19:34
